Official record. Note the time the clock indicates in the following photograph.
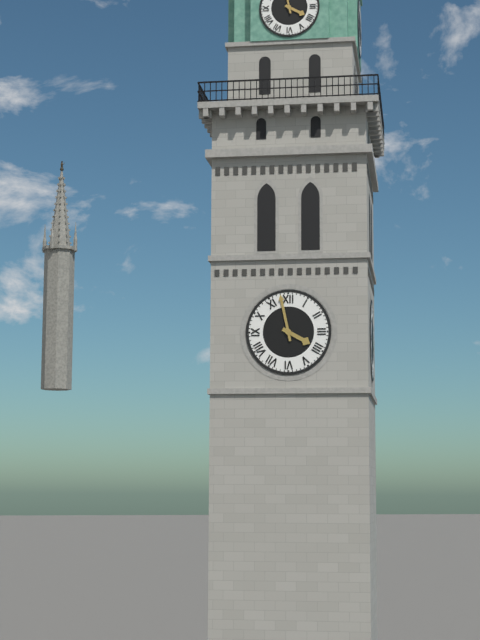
3:58
